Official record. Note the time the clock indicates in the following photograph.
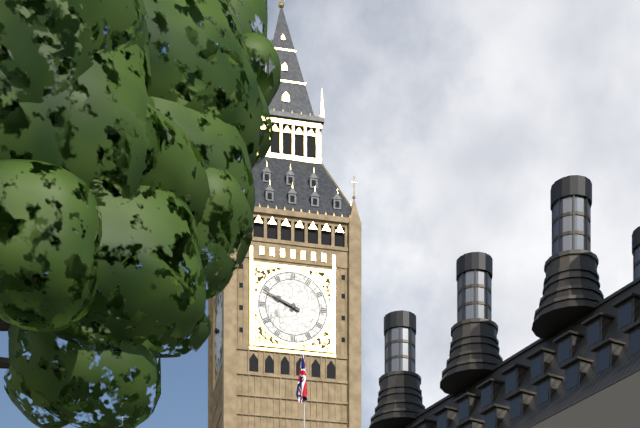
9:49
